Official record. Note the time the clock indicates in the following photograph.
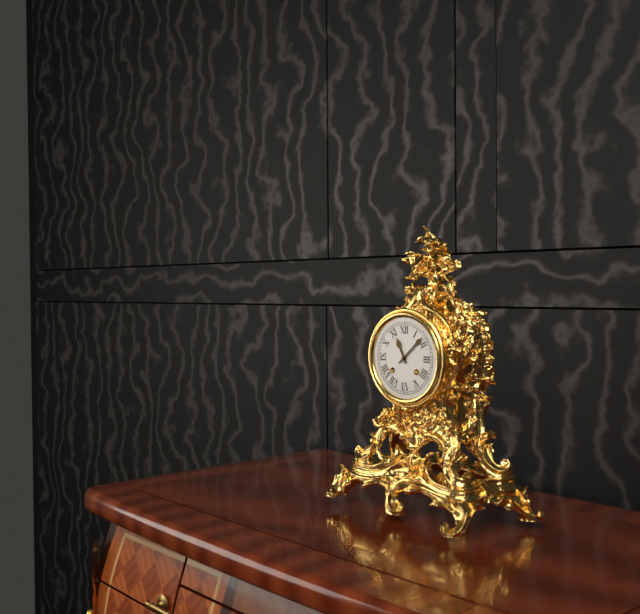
11:08
